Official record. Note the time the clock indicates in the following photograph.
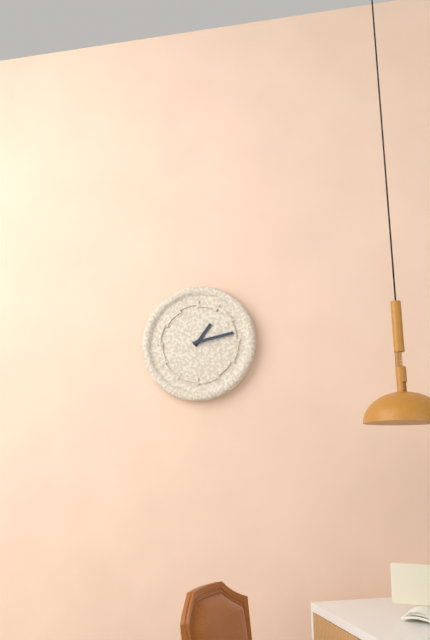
1:13
